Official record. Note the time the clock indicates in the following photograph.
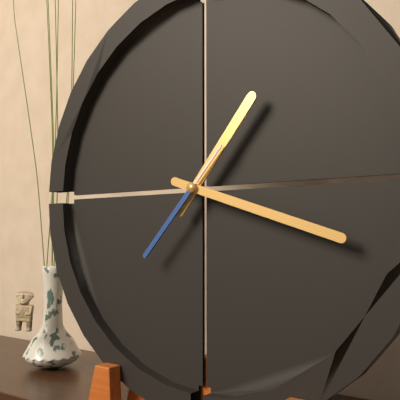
1:18:37
